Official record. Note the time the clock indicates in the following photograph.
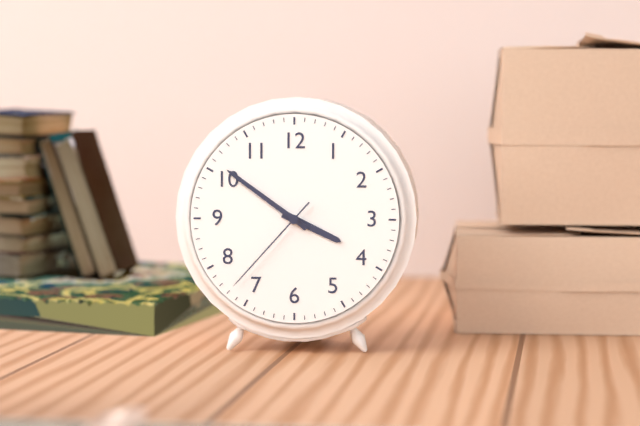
3:51:37
